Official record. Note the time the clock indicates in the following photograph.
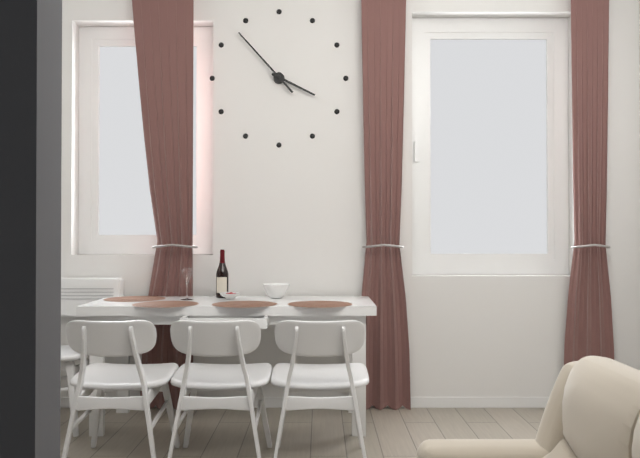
3:53
